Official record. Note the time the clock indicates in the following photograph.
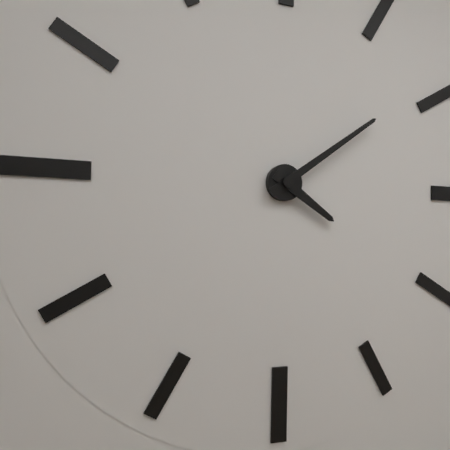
4:09
